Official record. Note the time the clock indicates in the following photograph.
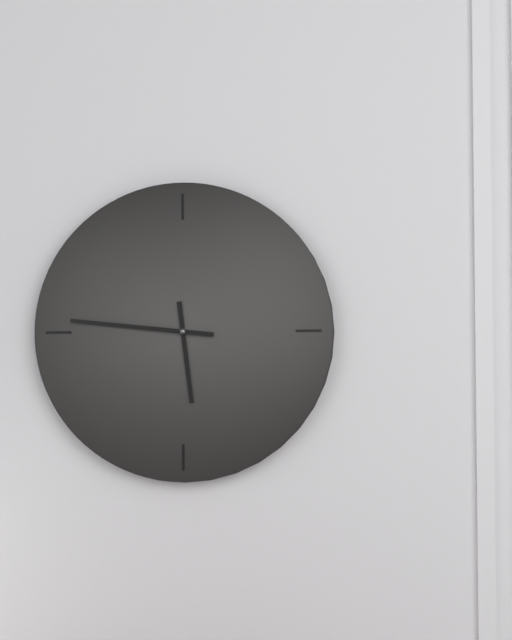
5:46
